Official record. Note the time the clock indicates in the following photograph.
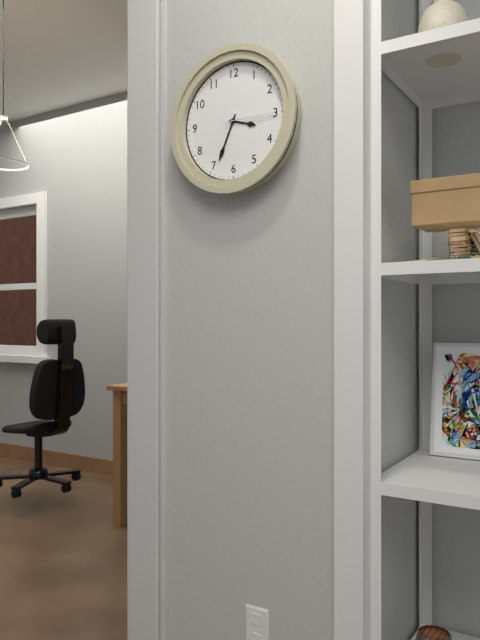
3:34:15
